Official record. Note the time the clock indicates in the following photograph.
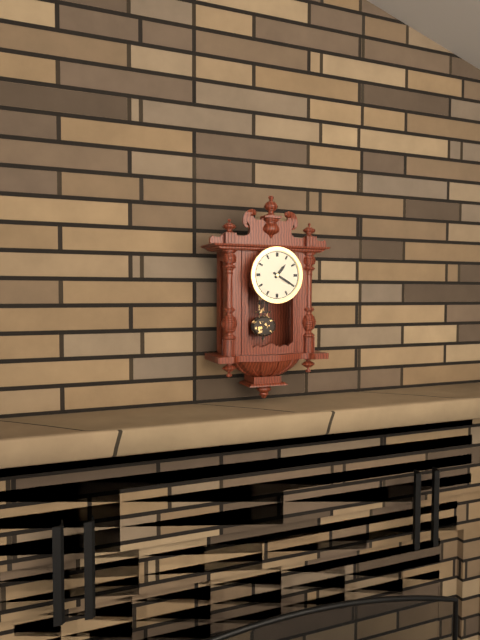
1:20
